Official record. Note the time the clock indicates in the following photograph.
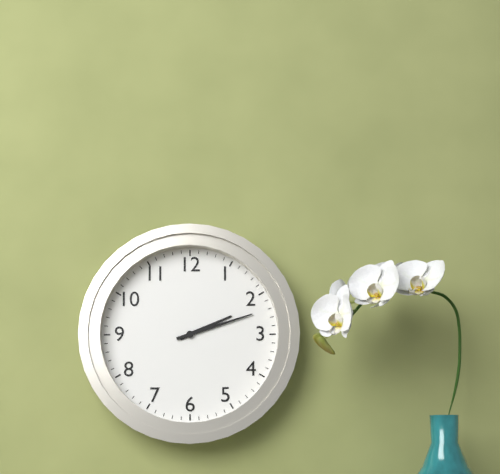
2:12
